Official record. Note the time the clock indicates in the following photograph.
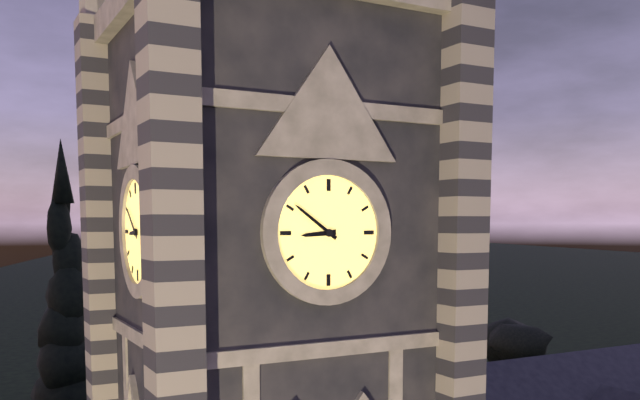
8:51
